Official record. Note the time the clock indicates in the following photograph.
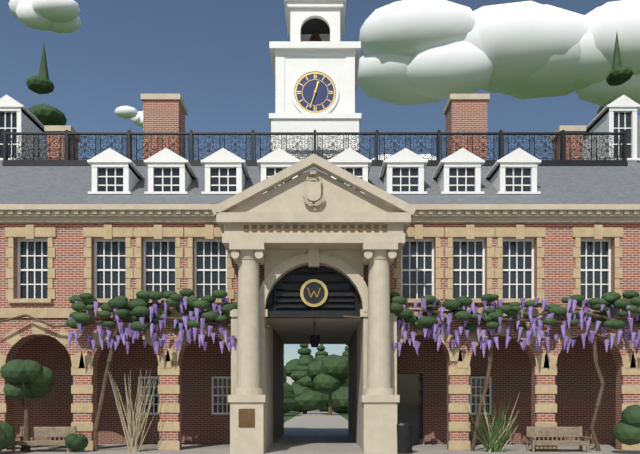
12:33
